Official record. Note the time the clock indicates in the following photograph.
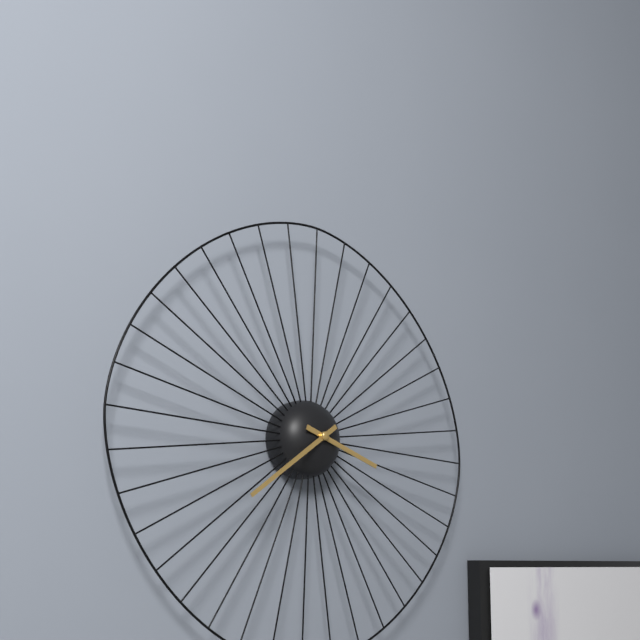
3:39
